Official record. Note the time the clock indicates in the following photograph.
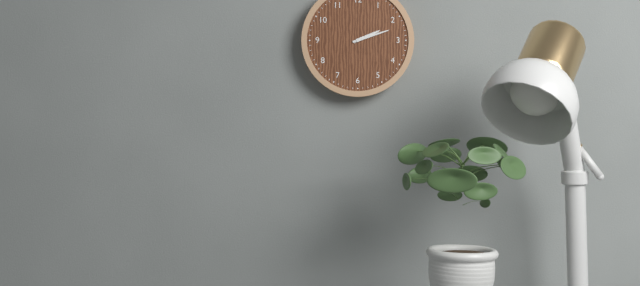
2:12
